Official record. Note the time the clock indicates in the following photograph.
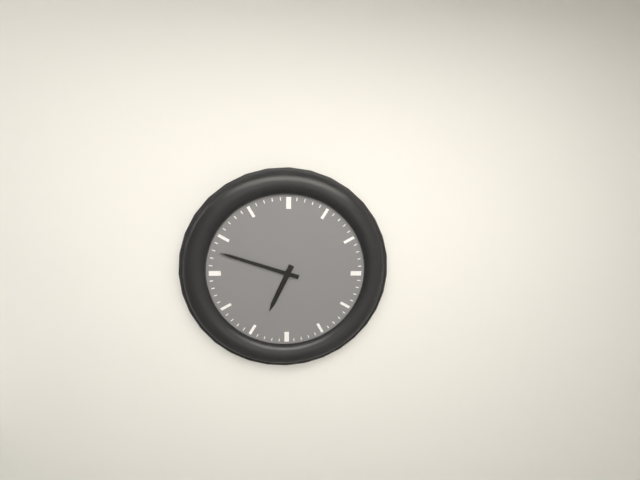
6:48
